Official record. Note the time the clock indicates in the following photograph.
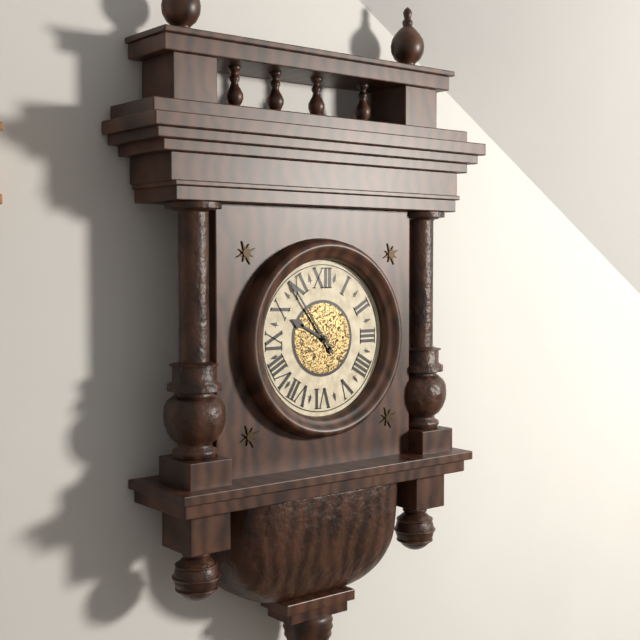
9:54
